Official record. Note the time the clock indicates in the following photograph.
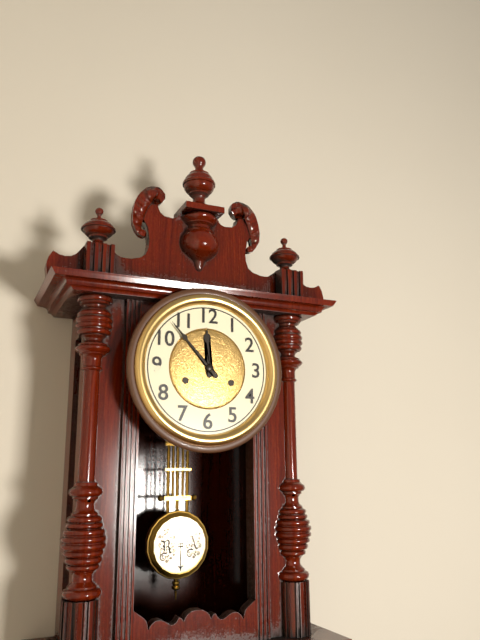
11:53
